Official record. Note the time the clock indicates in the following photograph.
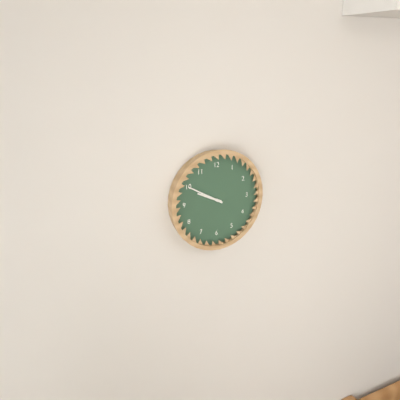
9:50
